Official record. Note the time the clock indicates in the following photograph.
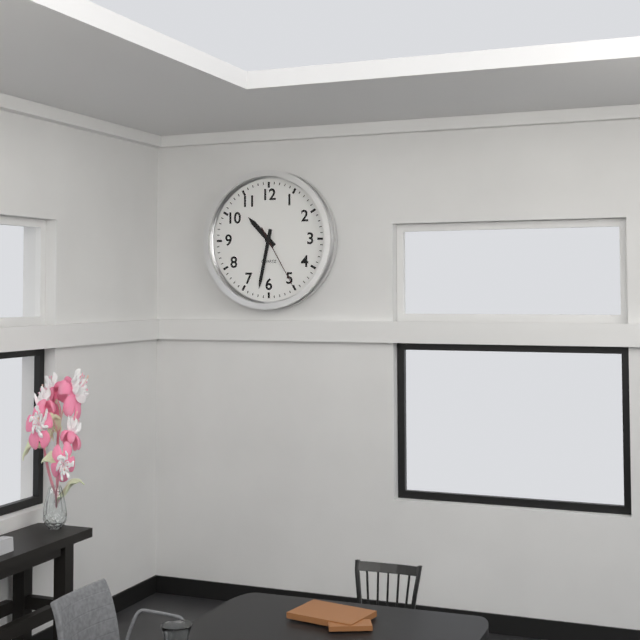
10:32:25
